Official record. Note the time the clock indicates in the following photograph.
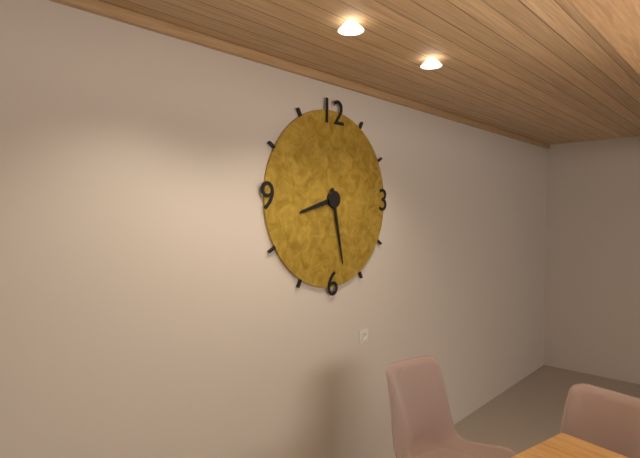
8:28
